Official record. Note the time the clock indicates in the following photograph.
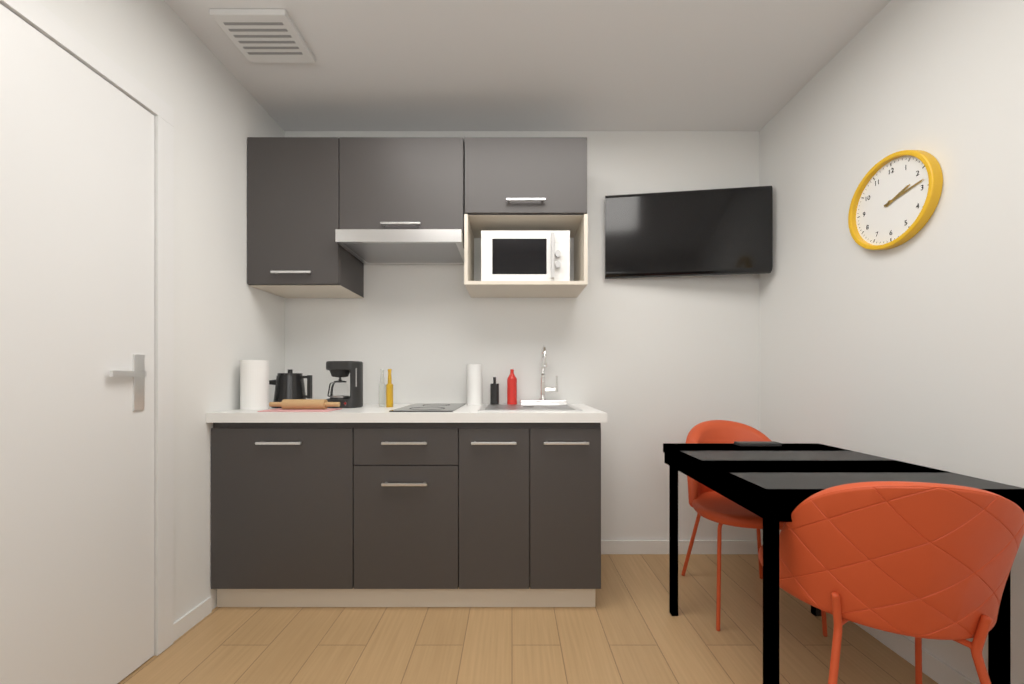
2:13
